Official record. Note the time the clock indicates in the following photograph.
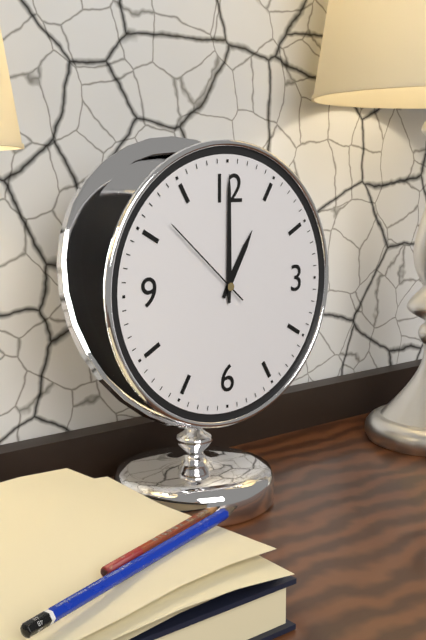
1:00:52
